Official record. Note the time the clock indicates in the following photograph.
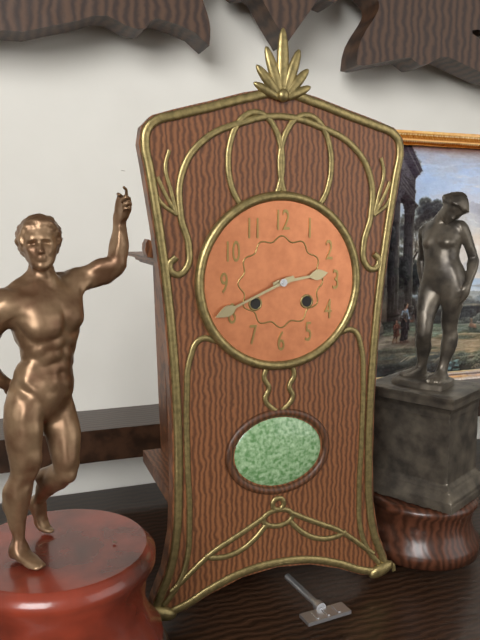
2:41
